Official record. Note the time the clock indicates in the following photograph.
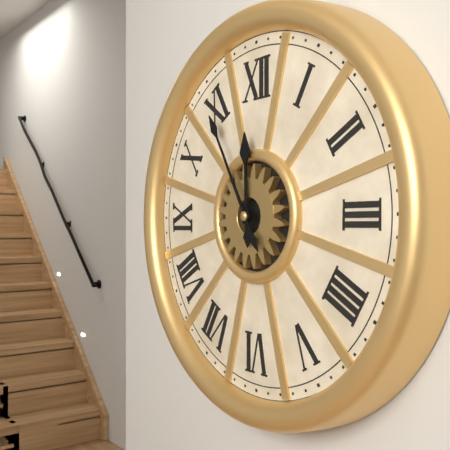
11:55
